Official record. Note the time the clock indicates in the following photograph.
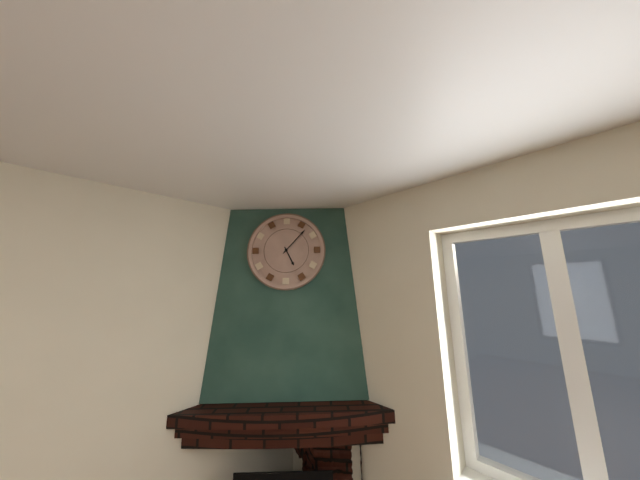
5:07
